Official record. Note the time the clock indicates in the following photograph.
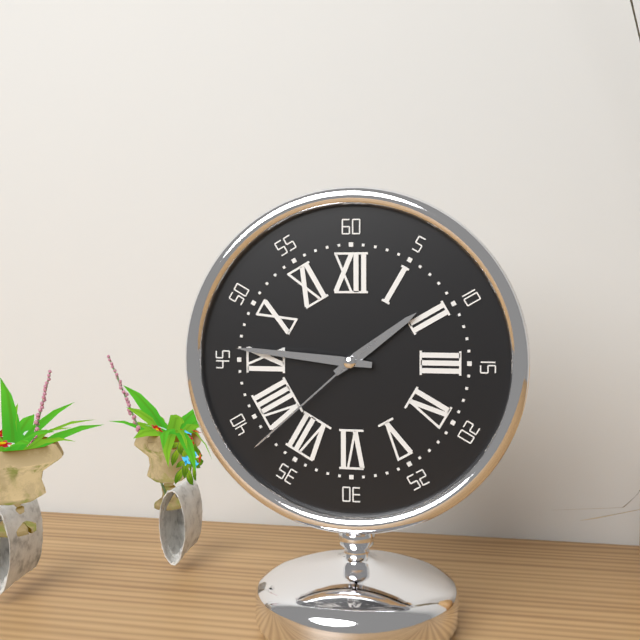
1:46:38
